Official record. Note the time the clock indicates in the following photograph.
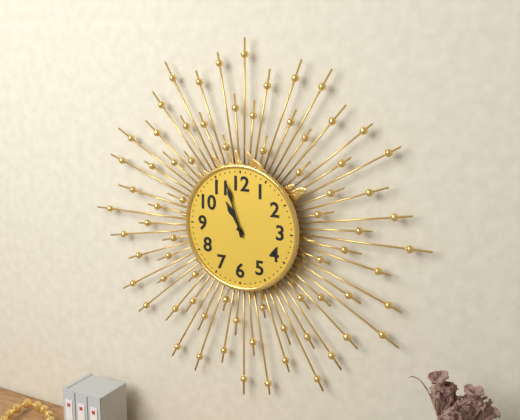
10:57
